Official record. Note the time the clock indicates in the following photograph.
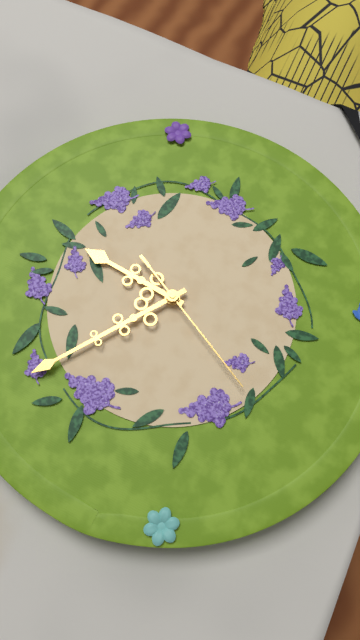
9:38:22
